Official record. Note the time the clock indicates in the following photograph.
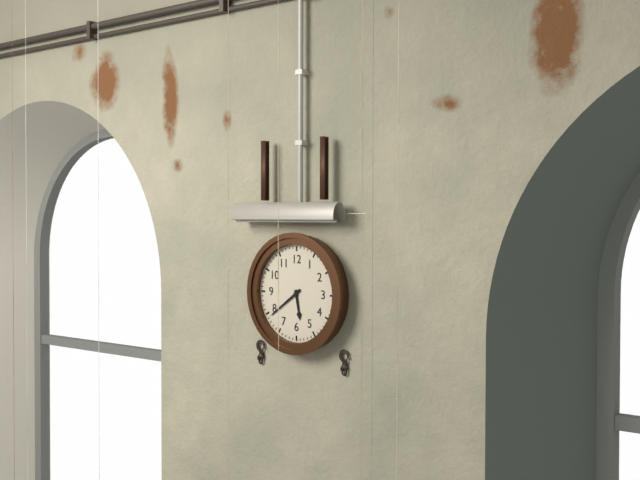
5:39
